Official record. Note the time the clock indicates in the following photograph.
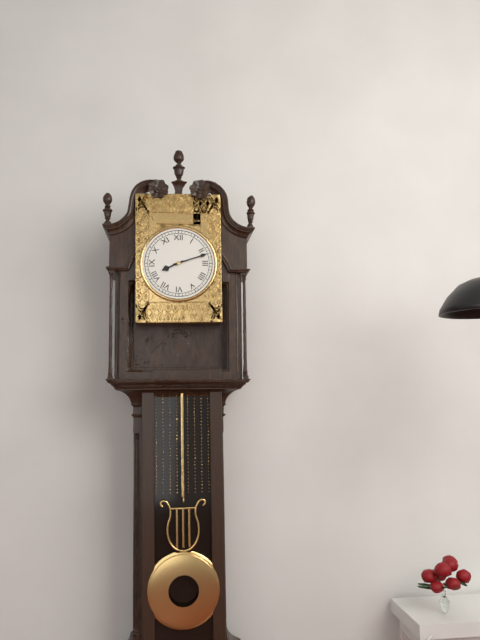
8:12
